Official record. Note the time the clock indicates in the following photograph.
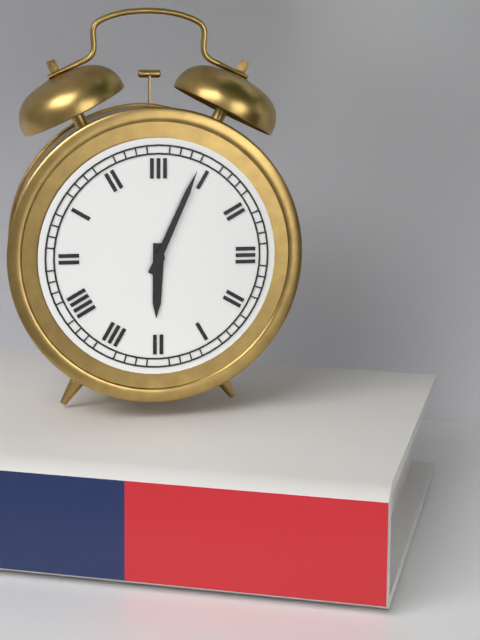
6:04
